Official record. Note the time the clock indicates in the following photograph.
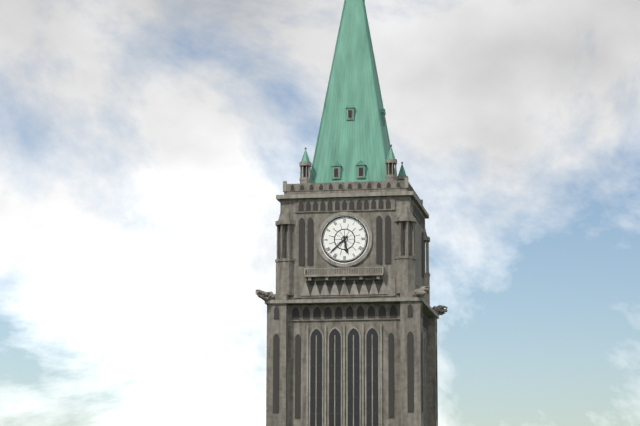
5:38
